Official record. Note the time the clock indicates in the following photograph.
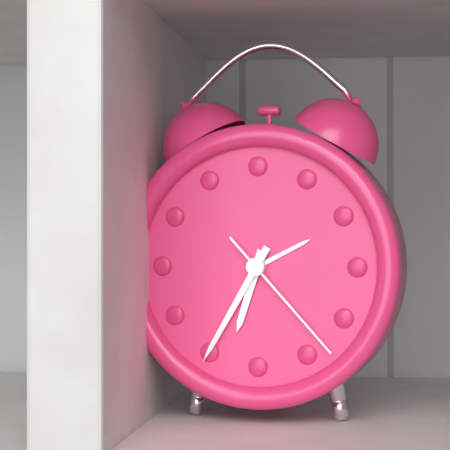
6:35:23
